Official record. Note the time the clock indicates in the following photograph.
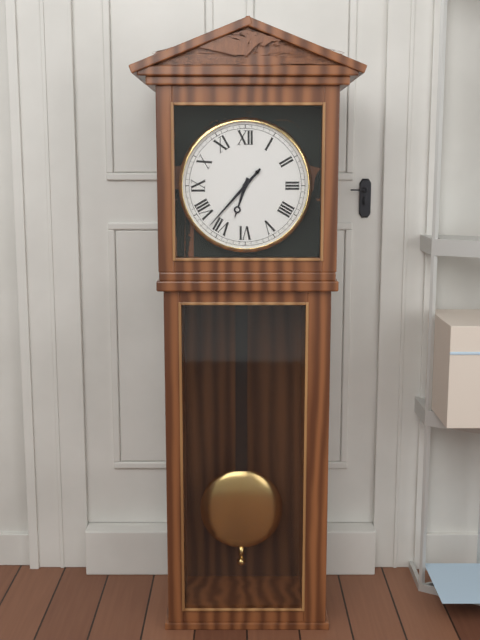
6:37
